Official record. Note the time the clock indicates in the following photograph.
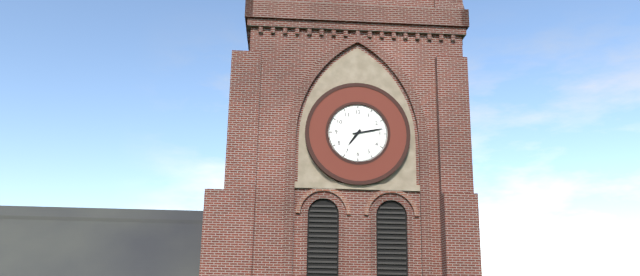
7:13
